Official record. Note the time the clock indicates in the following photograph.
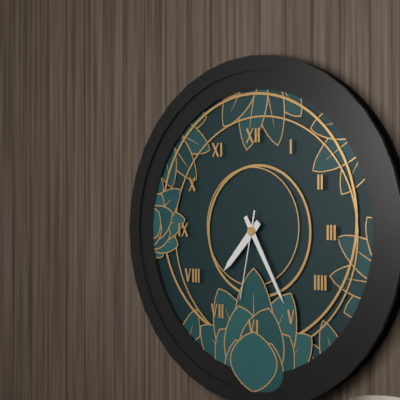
7:25:32
